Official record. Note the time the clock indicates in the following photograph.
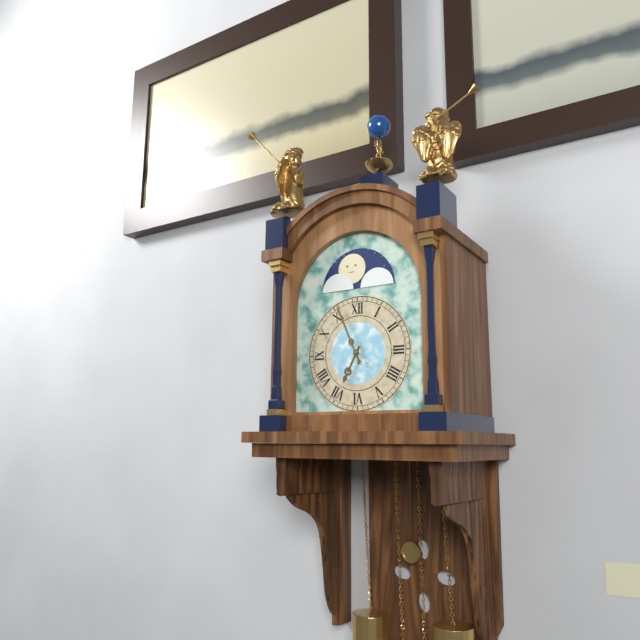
6:56
